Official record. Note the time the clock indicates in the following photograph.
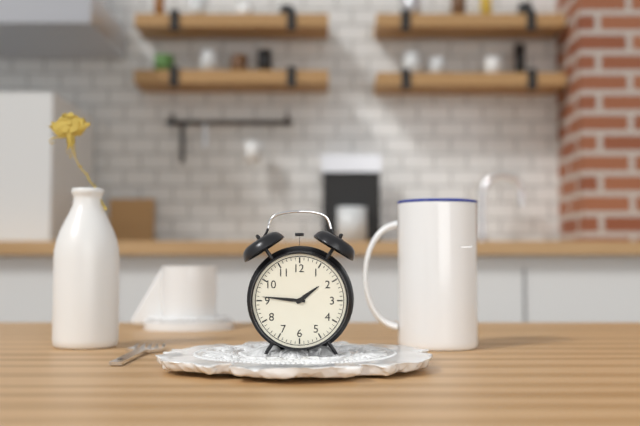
1:46
